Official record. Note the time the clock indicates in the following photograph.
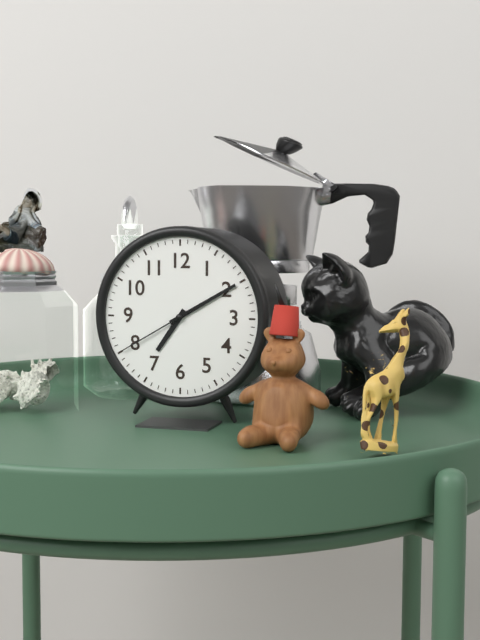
7:10:40
